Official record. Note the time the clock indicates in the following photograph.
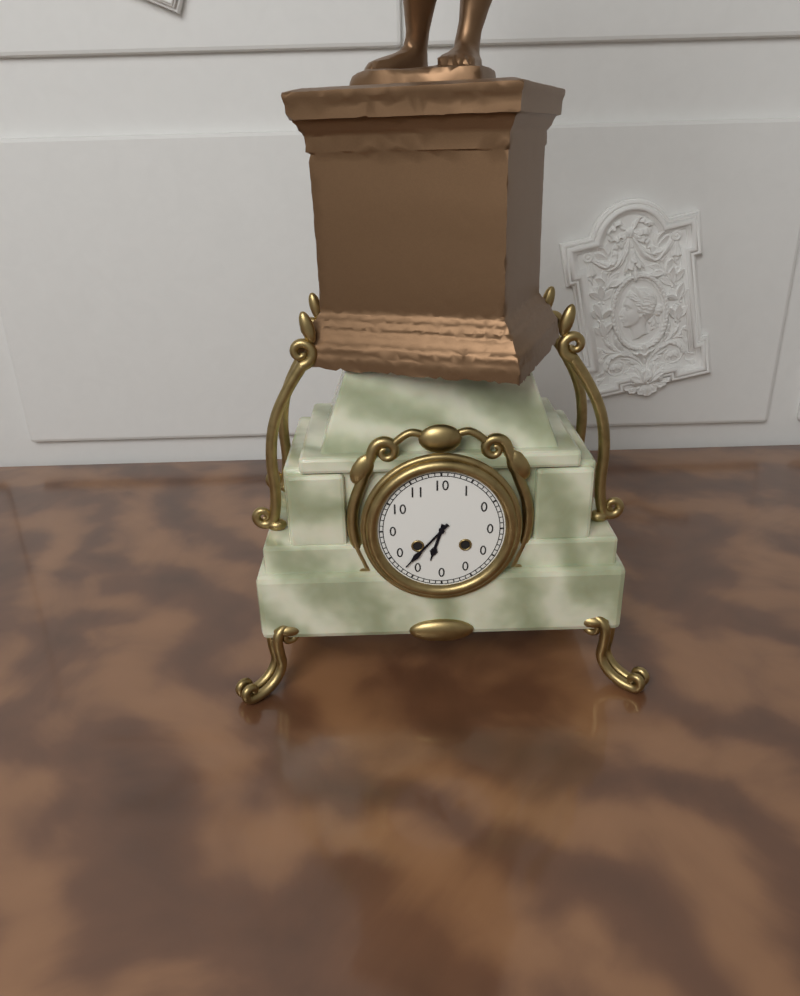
6:37
